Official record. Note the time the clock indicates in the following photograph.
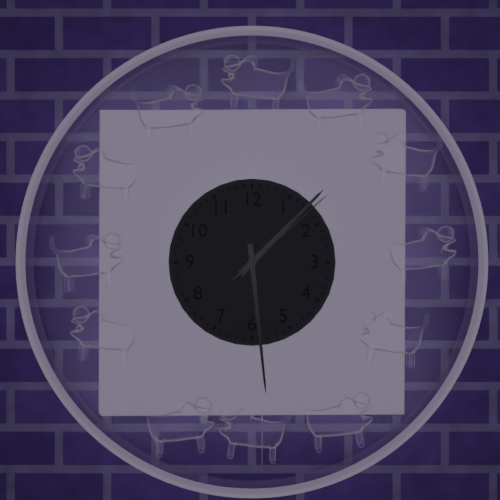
1:29:08
